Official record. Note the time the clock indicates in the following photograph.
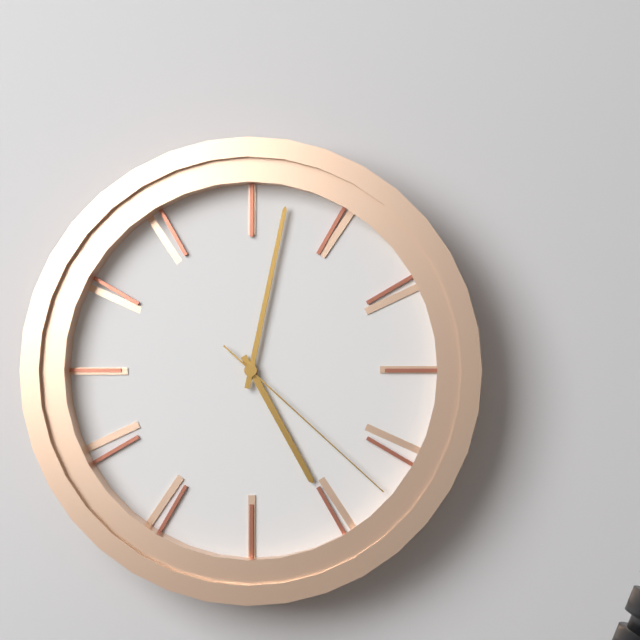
5:02:22
